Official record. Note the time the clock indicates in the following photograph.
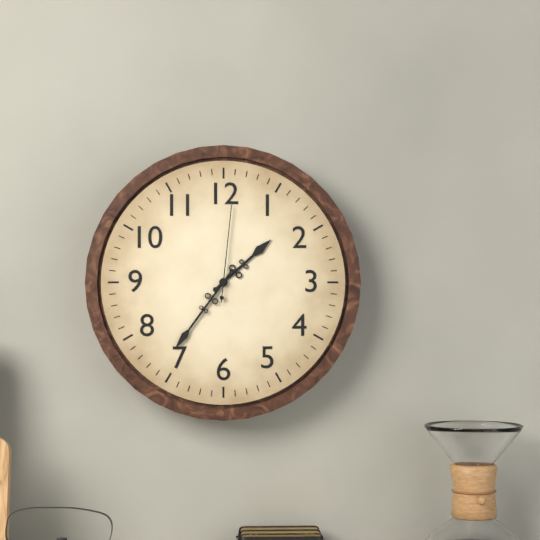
1:36:01
